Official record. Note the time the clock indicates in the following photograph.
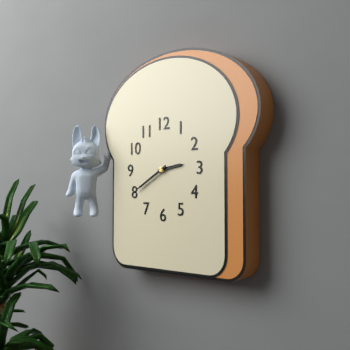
2:40
